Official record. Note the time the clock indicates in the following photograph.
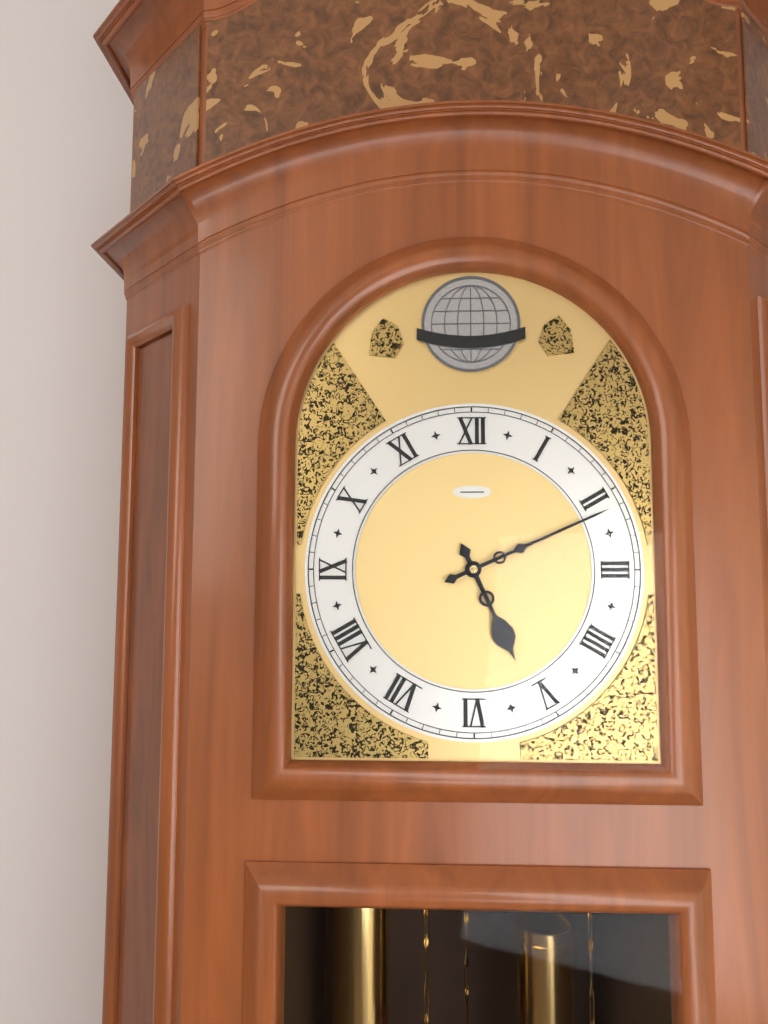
5:11
